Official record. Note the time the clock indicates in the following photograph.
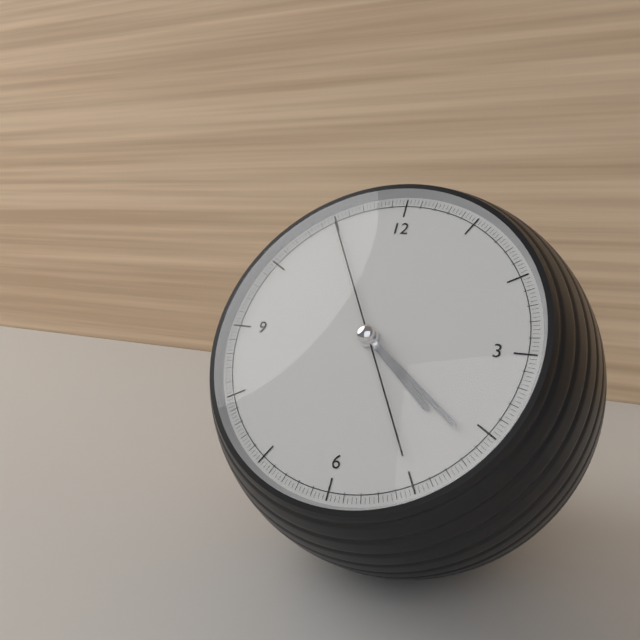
4:21:55
